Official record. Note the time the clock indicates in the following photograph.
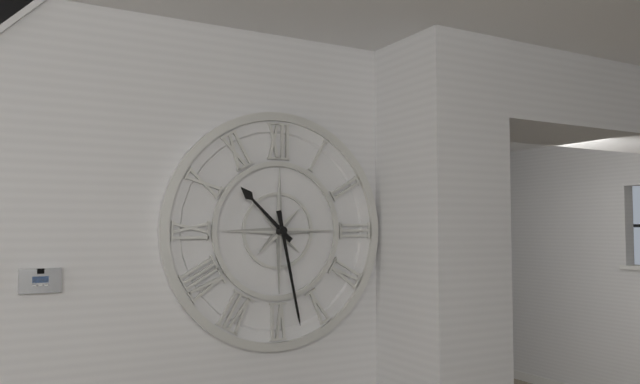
10:28
